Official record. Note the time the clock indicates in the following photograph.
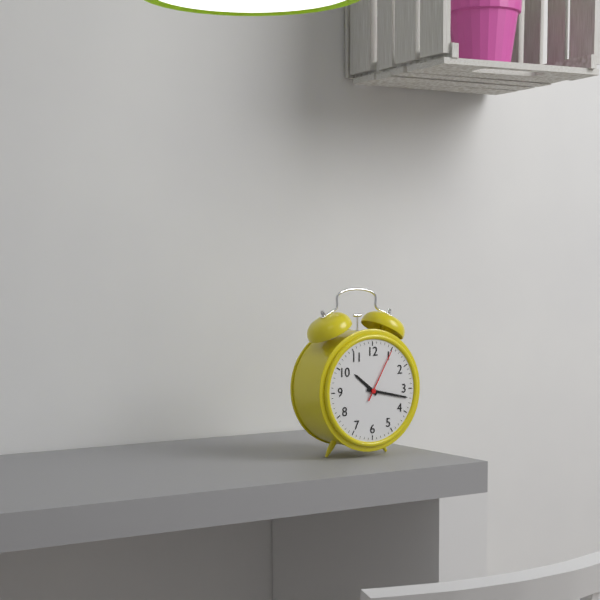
10:17:05
